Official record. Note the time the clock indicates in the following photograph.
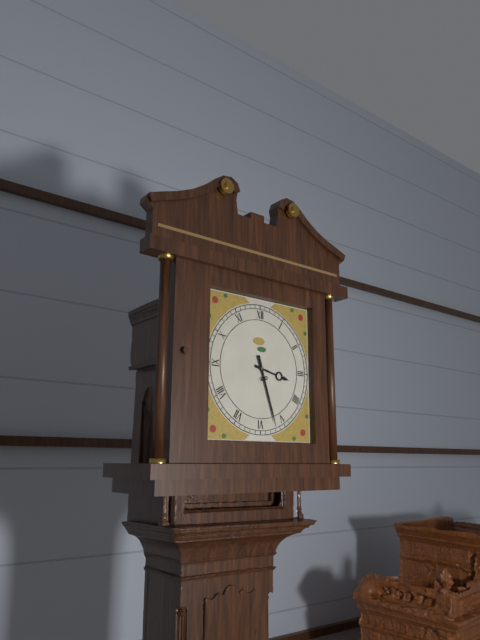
3:27
